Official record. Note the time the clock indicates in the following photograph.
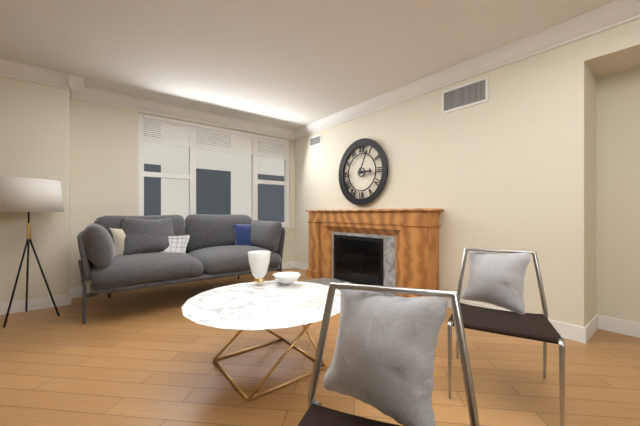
3:04
